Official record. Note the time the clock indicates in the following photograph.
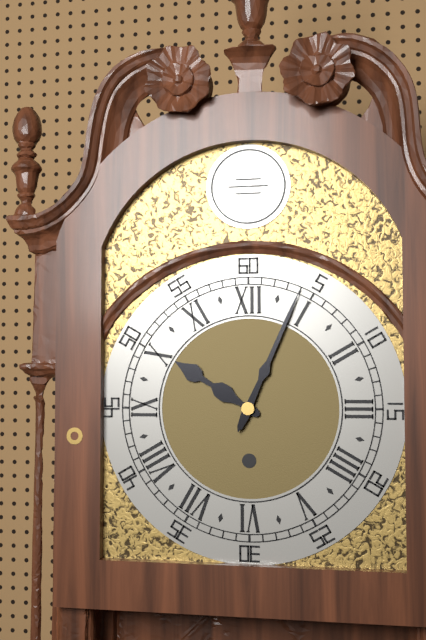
10:04
